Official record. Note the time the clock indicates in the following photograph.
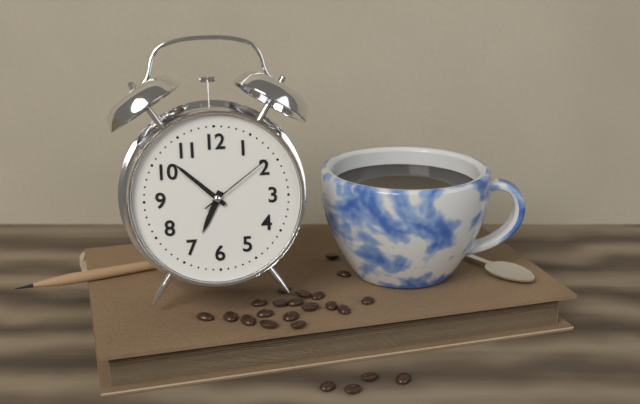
6:52:09
